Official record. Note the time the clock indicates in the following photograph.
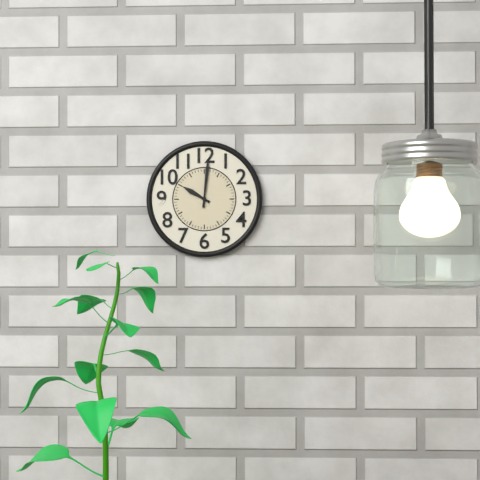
10:01
